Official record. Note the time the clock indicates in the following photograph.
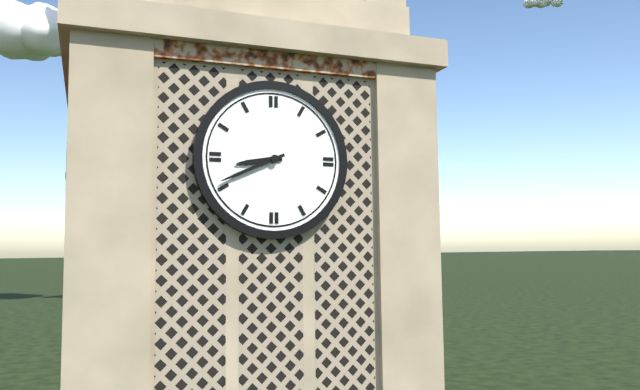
8:41
